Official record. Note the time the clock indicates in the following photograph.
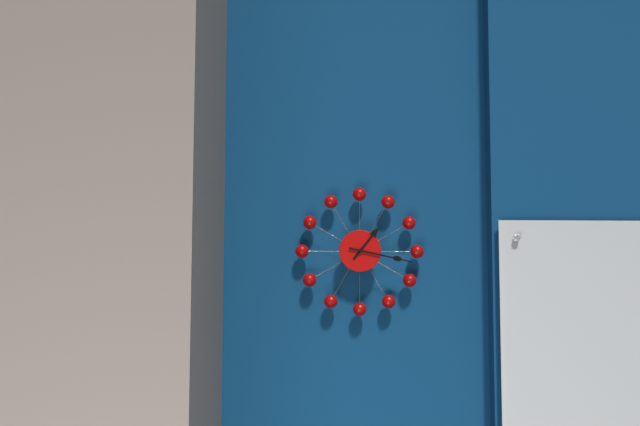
1:17
